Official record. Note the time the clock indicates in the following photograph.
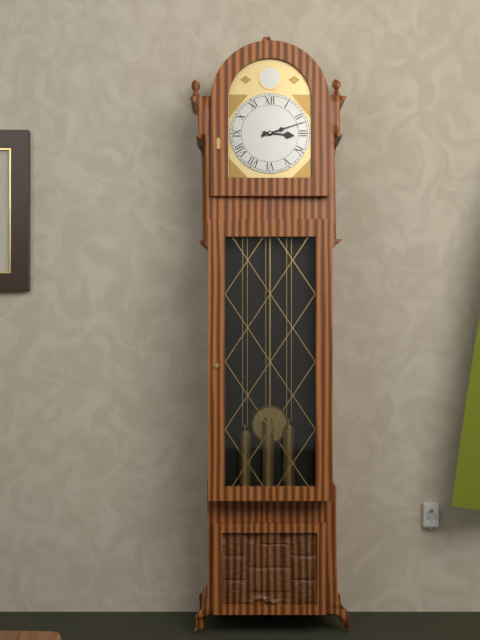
3:12
